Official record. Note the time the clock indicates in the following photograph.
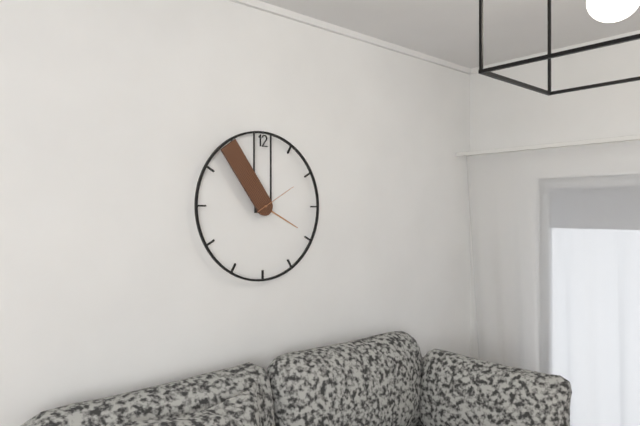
3:54
